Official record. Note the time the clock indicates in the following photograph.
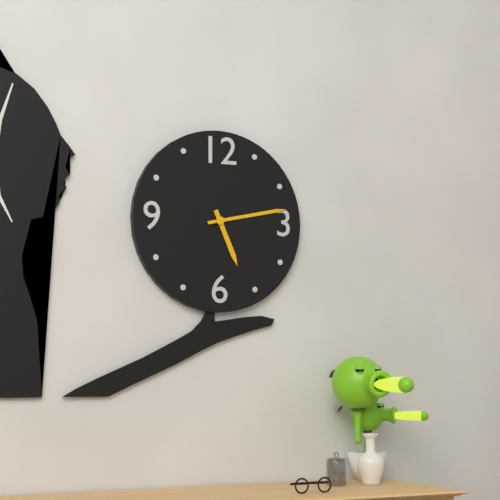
5:13
